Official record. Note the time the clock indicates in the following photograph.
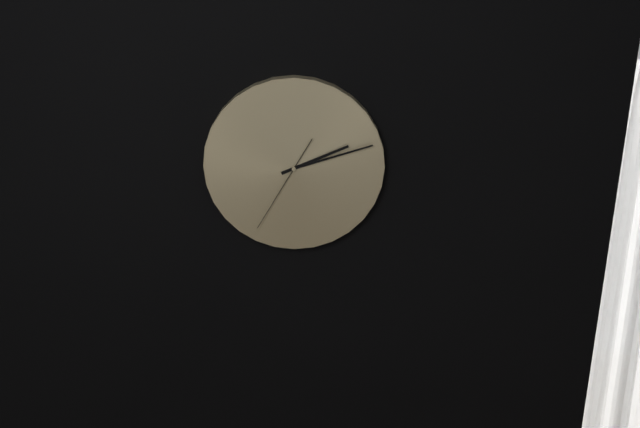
2:12:35
